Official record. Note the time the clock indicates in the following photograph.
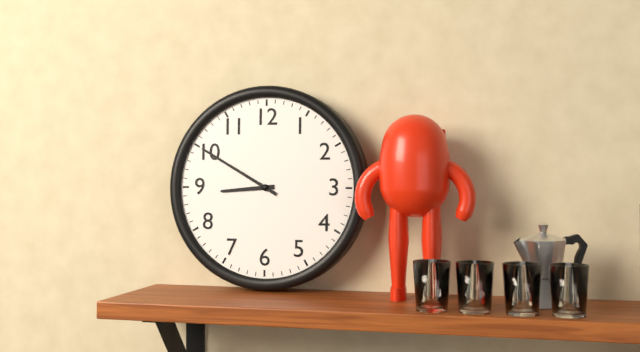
8:50
